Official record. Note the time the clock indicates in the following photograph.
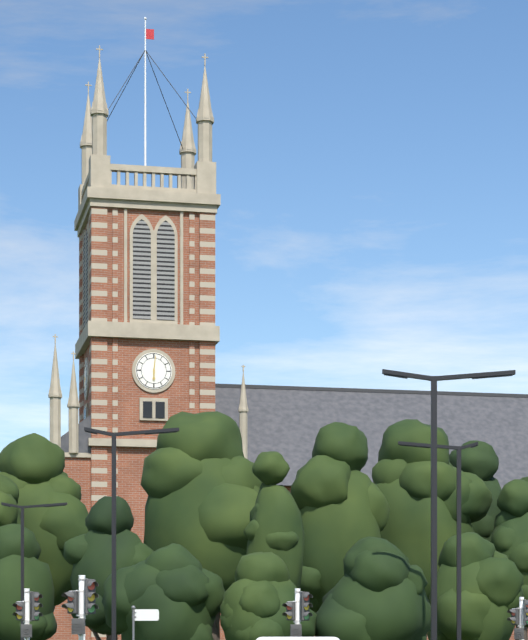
6:01
